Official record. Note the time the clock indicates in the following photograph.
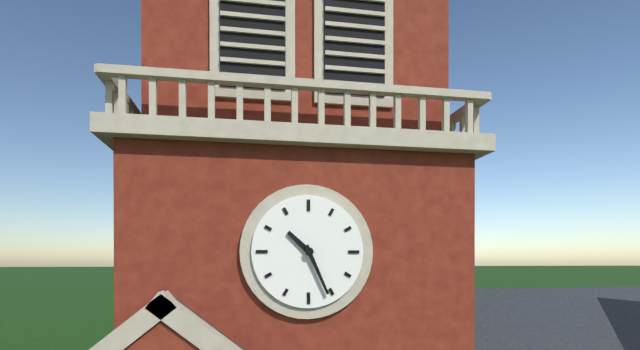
10:26
